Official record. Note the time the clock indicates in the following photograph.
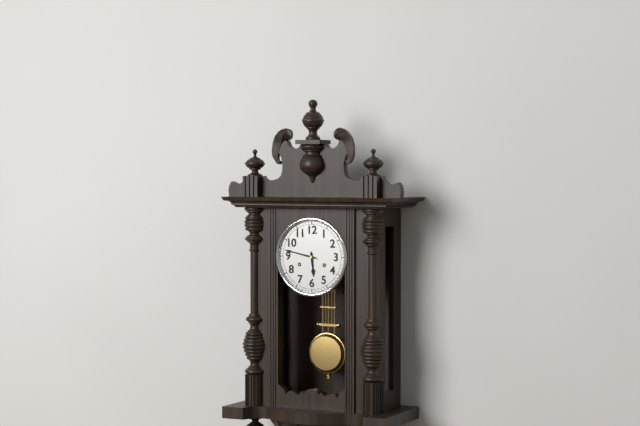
5:47
